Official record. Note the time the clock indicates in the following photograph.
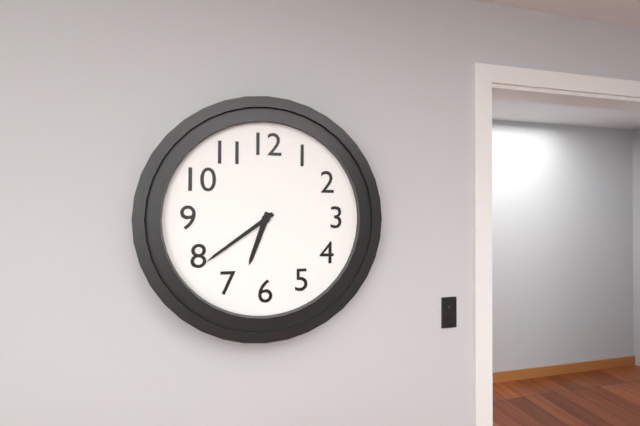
6:39
